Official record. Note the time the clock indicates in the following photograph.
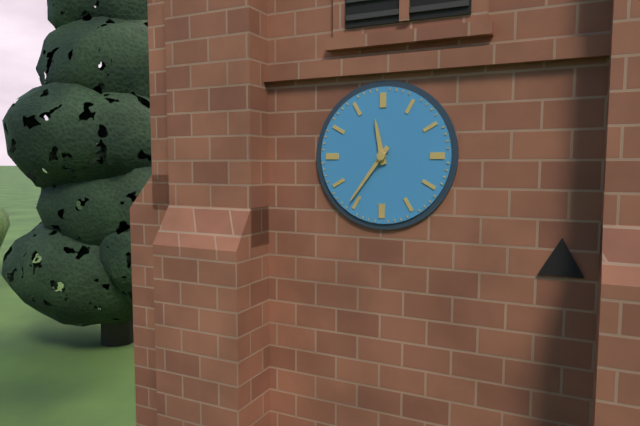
11:36
